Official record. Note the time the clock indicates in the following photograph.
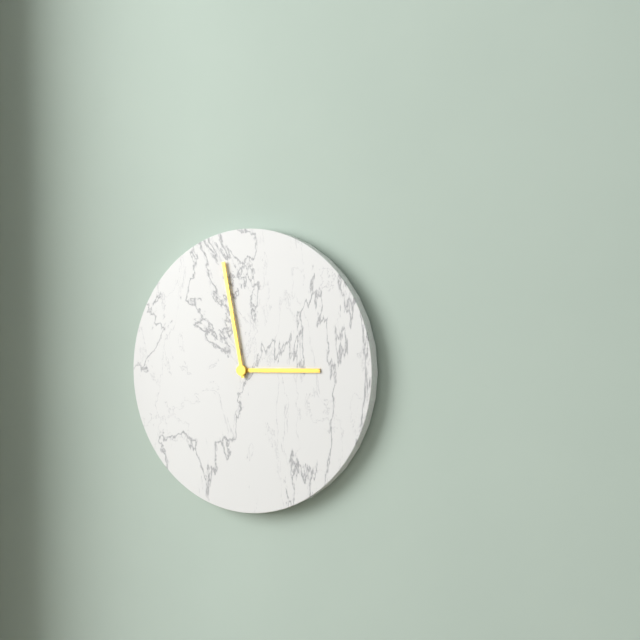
2:58
